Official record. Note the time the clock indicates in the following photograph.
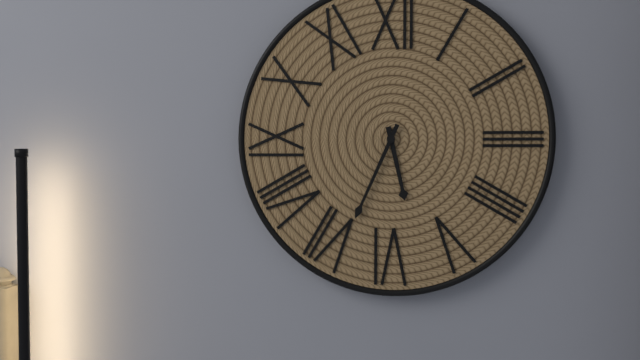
5:34
